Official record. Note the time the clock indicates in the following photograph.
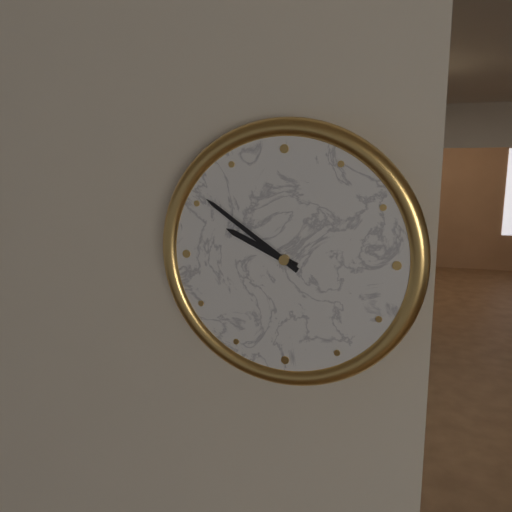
9:51
